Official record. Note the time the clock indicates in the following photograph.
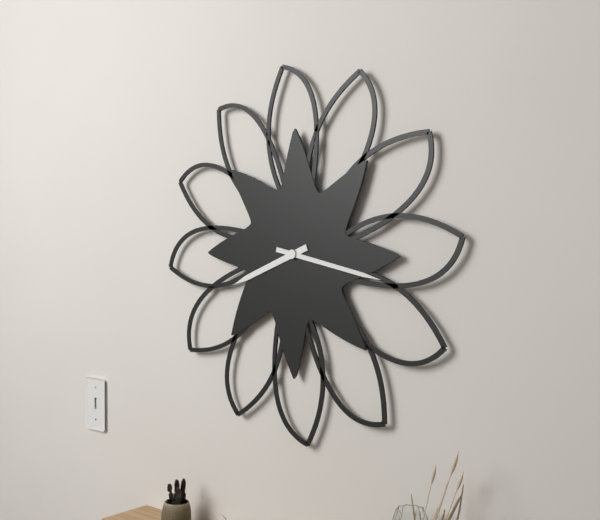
8:17
